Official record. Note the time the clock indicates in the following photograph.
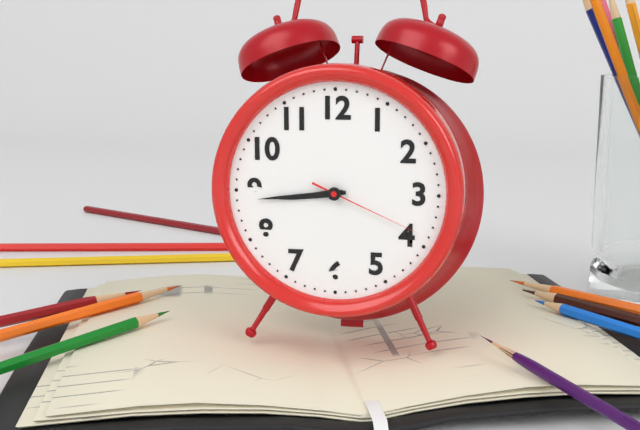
8:44:19
